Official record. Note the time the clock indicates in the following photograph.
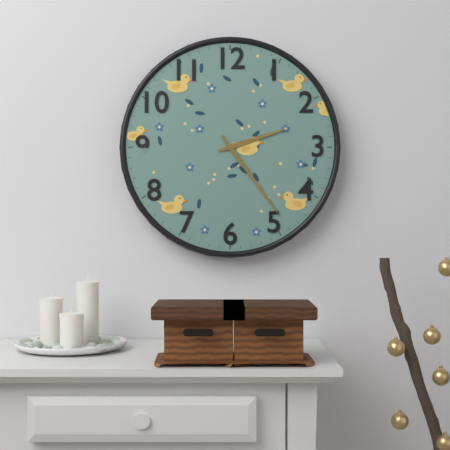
2:24
